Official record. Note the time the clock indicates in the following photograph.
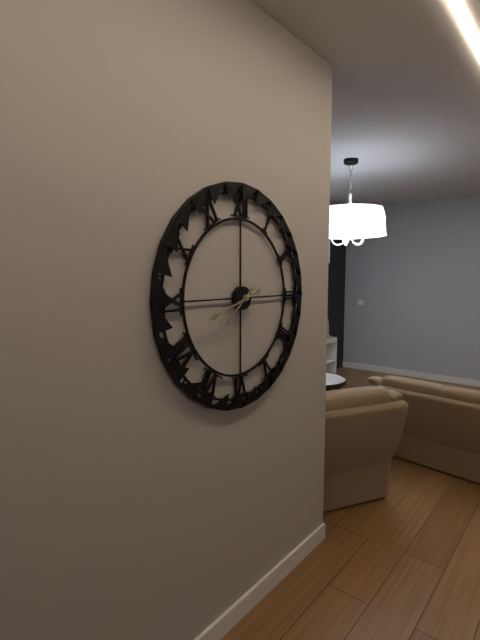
7:42
